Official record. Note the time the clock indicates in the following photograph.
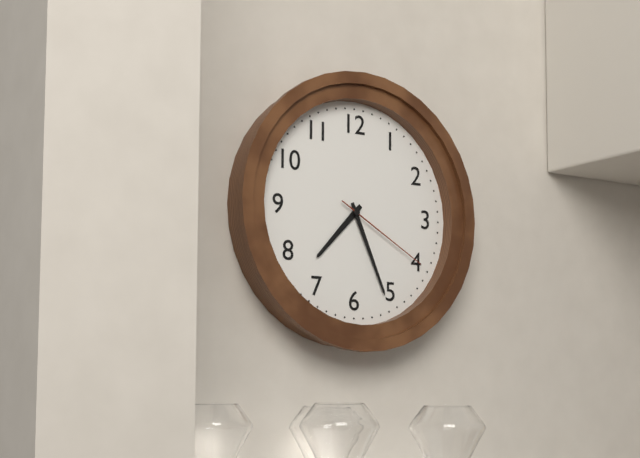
7:26:20
